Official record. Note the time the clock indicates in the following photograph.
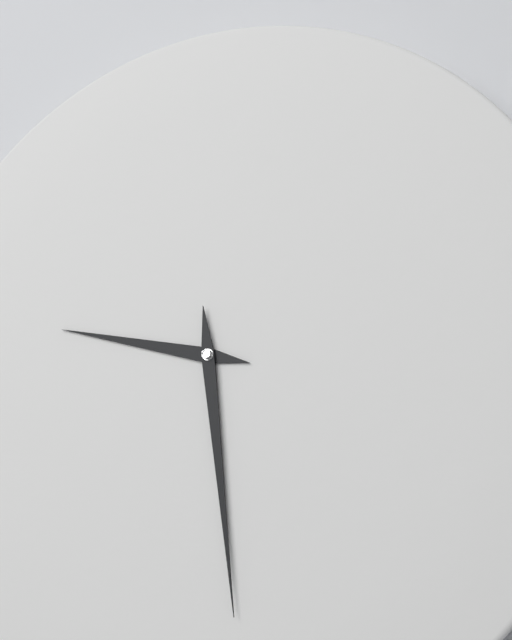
9:29
